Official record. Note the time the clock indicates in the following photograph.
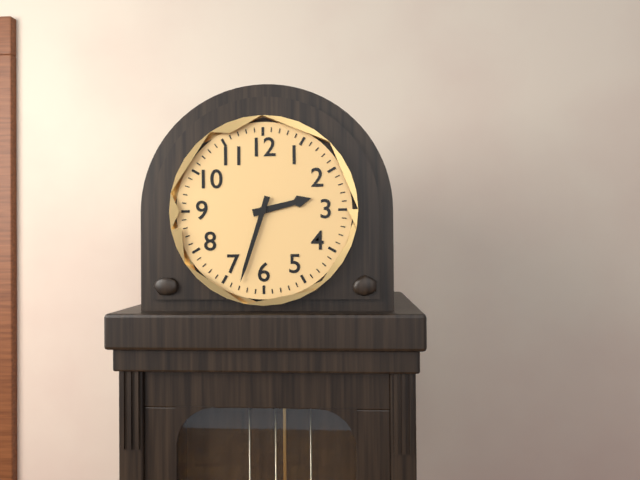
2:33
